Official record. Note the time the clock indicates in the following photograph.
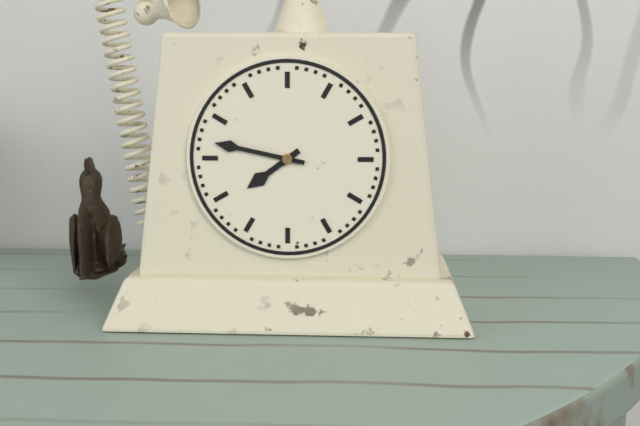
7:47
